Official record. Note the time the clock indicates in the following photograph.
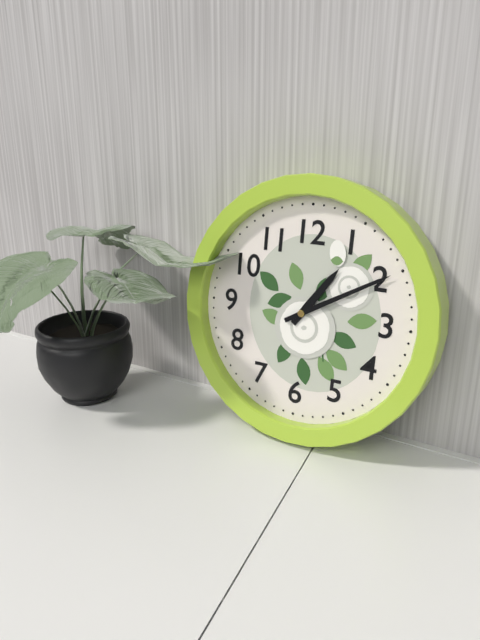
1:10
